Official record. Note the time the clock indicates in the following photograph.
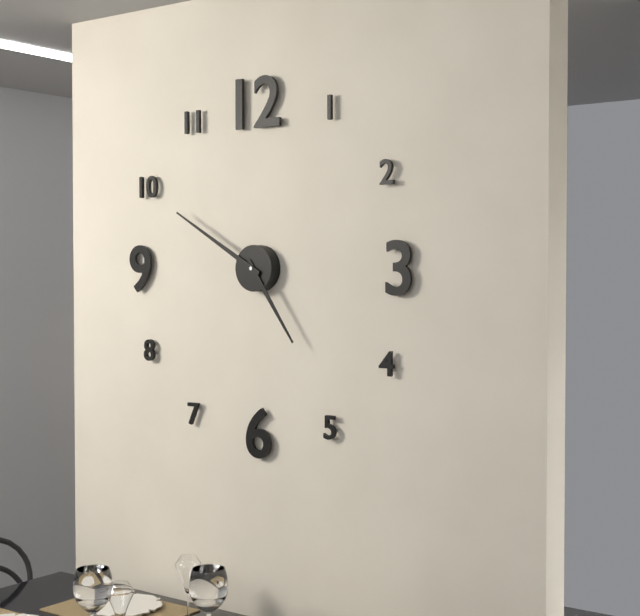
4:50
